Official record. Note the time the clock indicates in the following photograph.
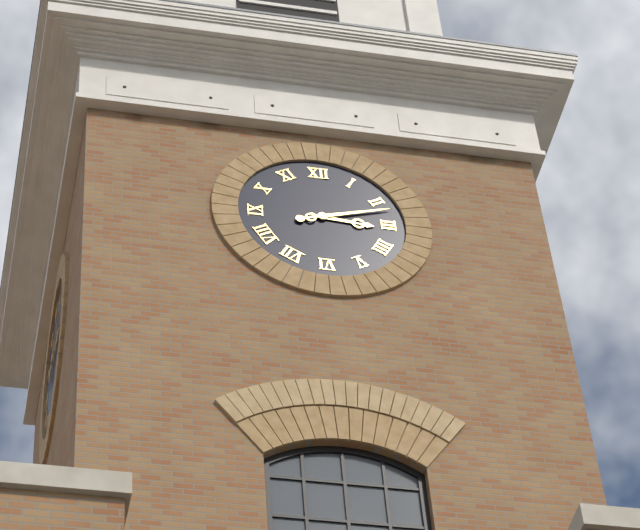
3:12
